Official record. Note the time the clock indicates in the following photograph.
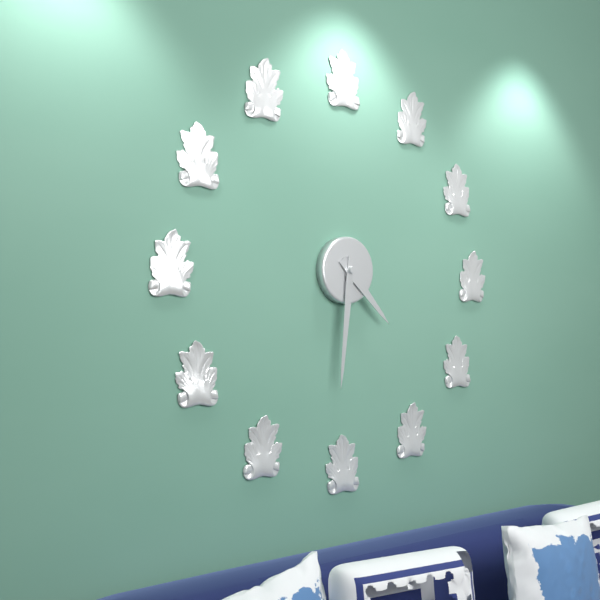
4:31
